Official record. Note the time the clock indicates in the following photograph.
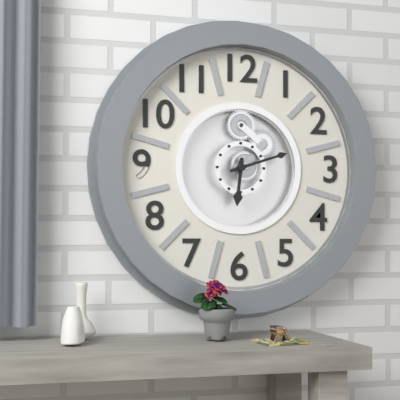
6:12
